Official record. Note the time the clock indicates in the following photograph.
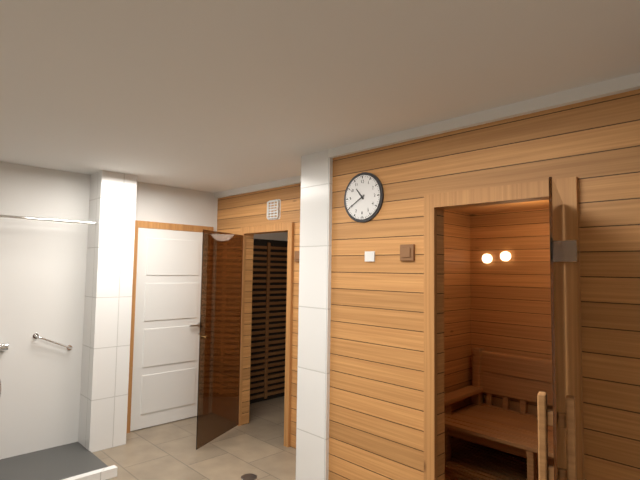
10:40
